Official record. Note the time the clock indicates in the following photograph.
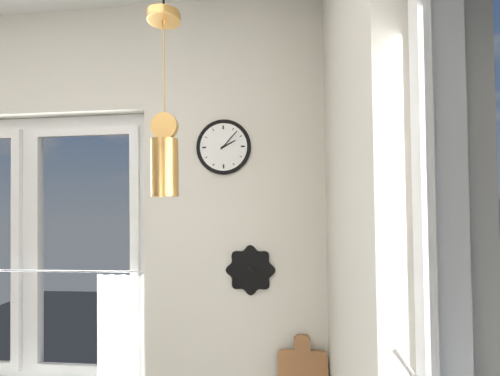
2:07
